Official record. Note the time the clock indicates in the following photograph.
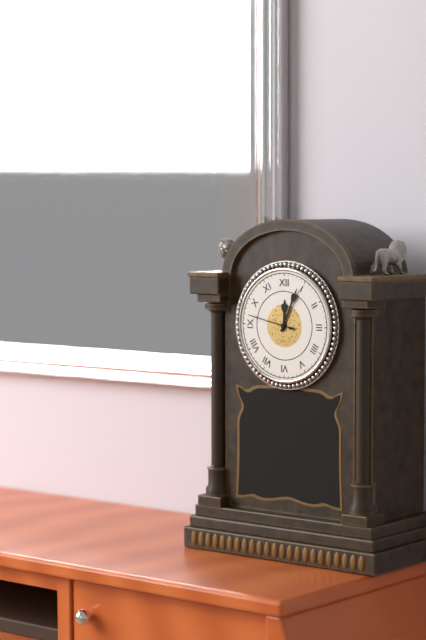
12:04
